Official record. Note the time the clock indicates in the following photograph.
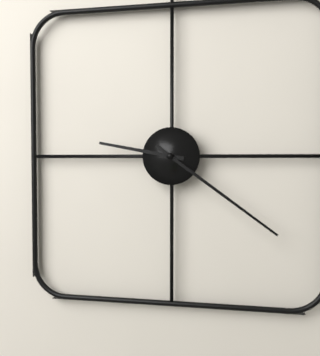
9:21
